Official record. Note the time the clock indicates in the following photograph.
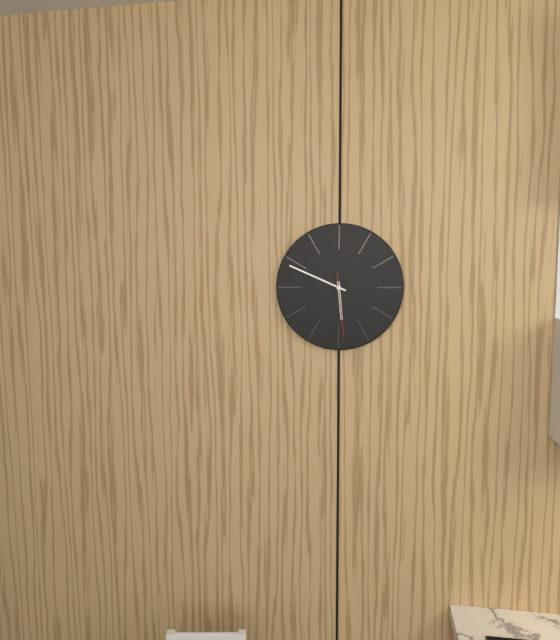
5:49:29
